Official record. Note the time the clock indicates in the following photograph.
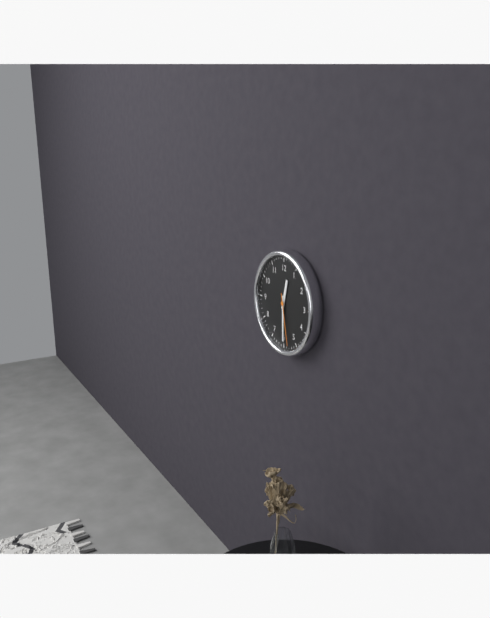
12:30:28
